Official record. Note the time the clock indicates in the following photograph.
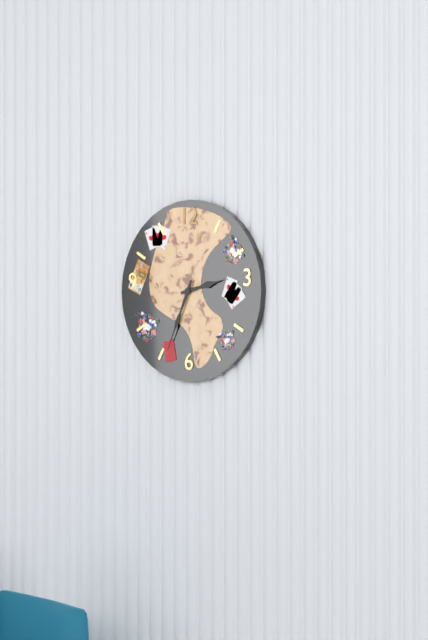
2:34
